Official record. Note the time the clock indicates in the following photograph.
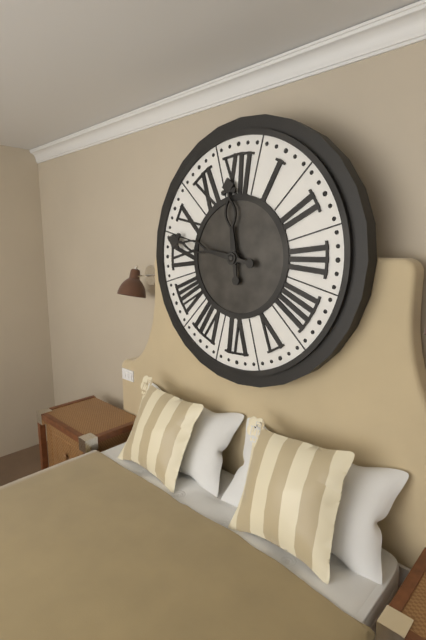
11:47
